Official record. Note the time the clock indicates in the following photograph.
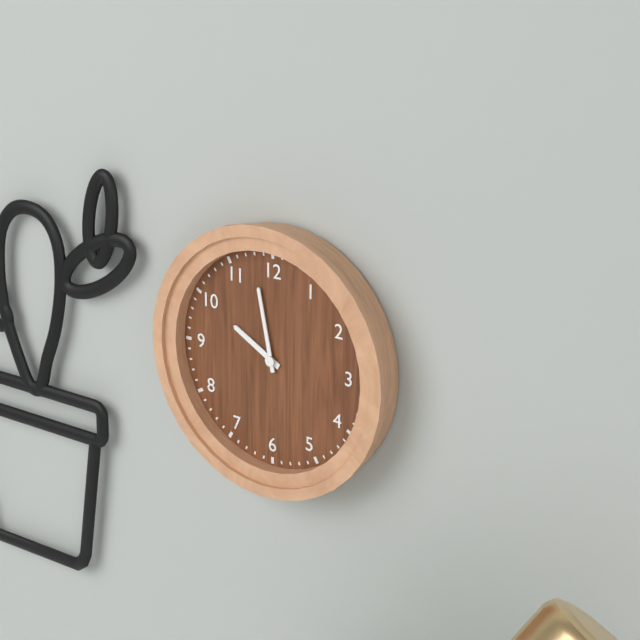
9:58
